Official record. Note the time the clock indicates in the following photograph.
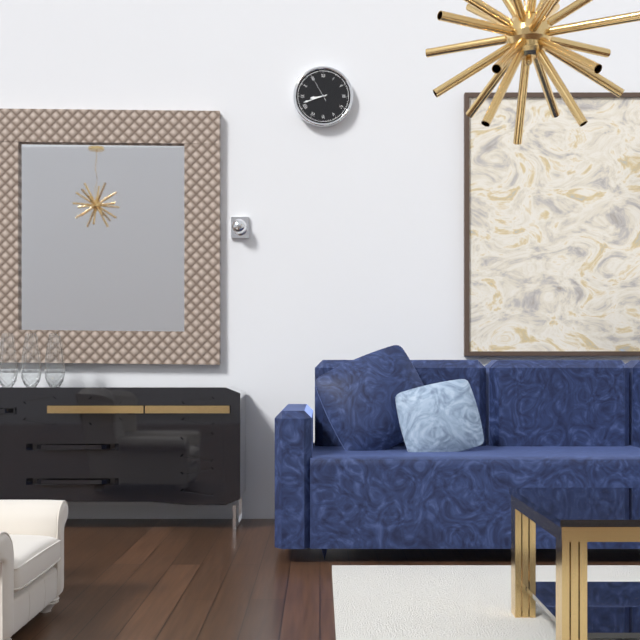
8:42
